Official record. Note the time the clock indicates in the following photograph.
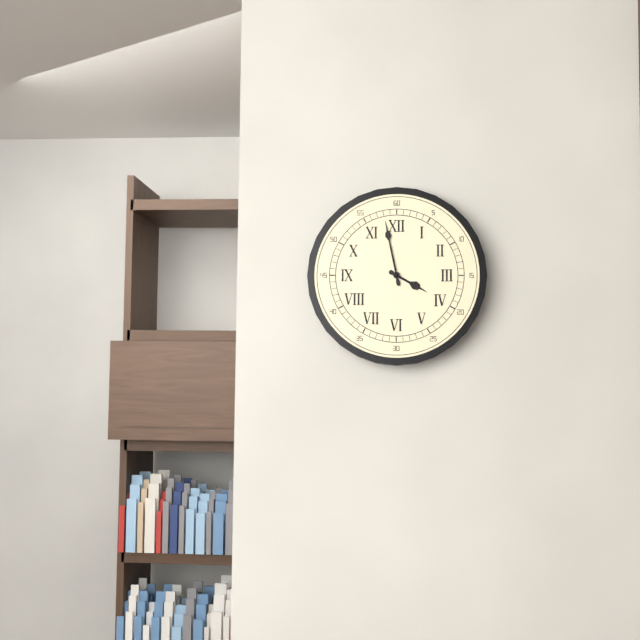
3:58
